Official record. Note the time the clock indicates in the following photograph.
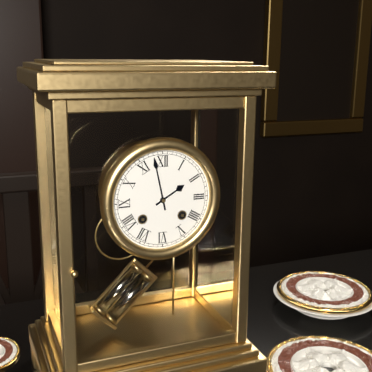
1:58
